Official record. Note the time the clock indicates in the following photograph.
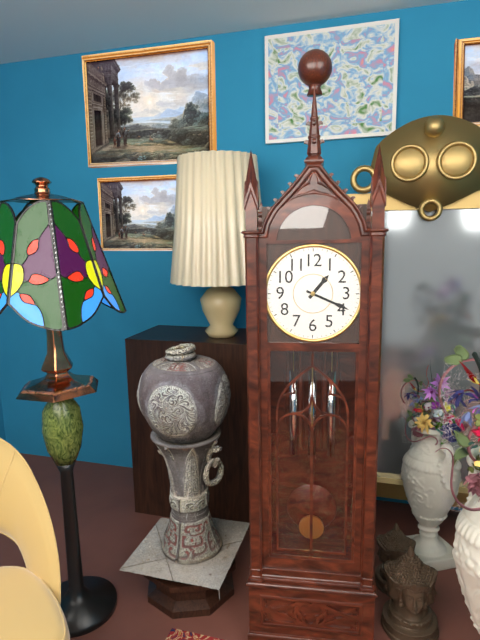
1:19
